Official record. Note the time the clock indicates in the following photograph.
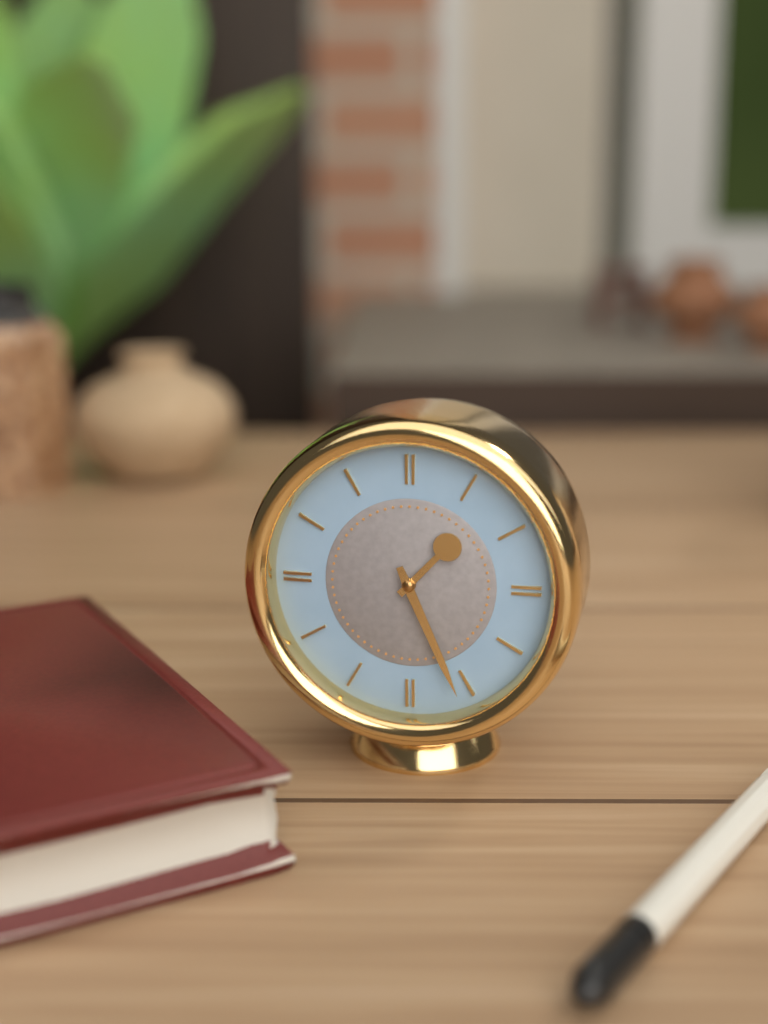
1:26
